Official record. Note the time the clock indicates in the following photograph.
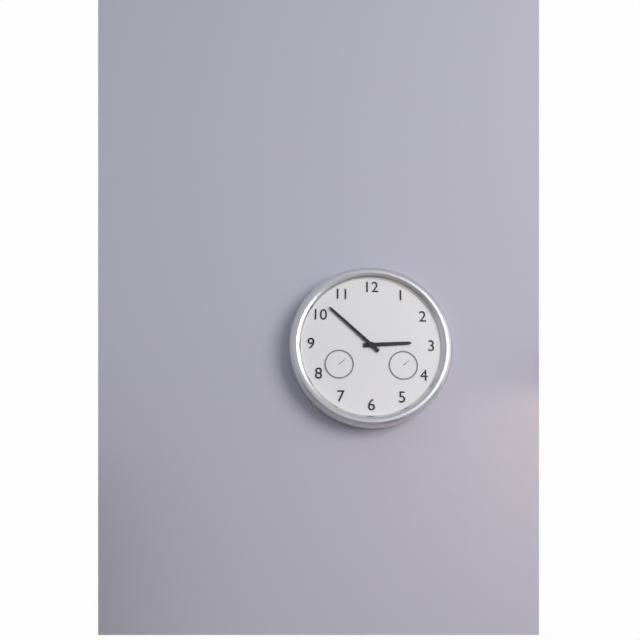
2:52
